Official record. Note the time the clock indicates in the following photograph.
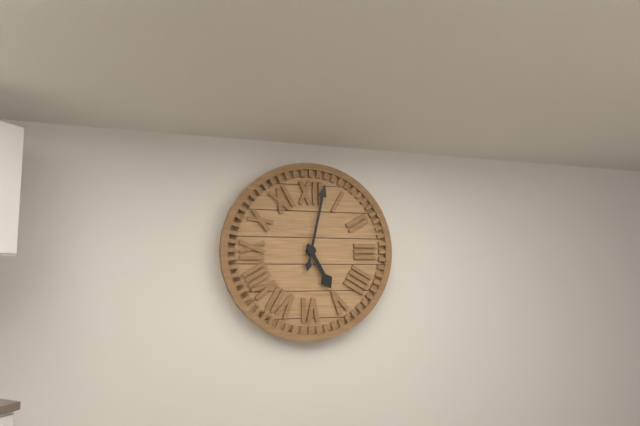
5:02
